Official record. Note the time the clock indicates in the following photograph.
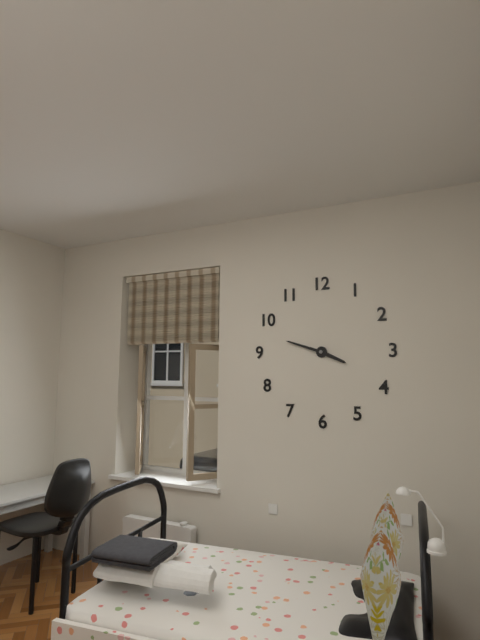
3:48
